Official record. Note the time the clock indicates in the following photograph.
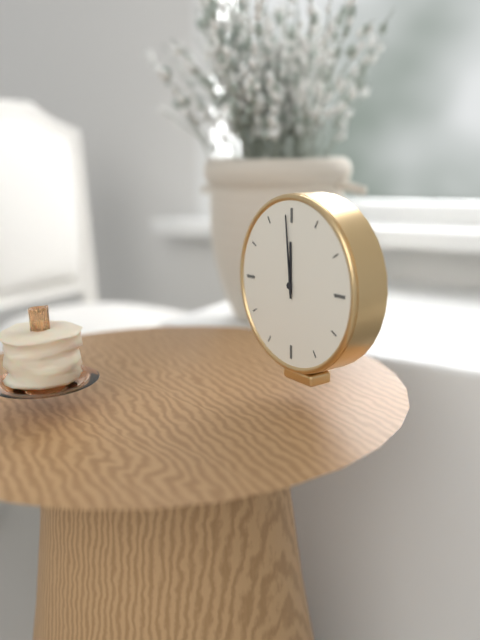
11:59
